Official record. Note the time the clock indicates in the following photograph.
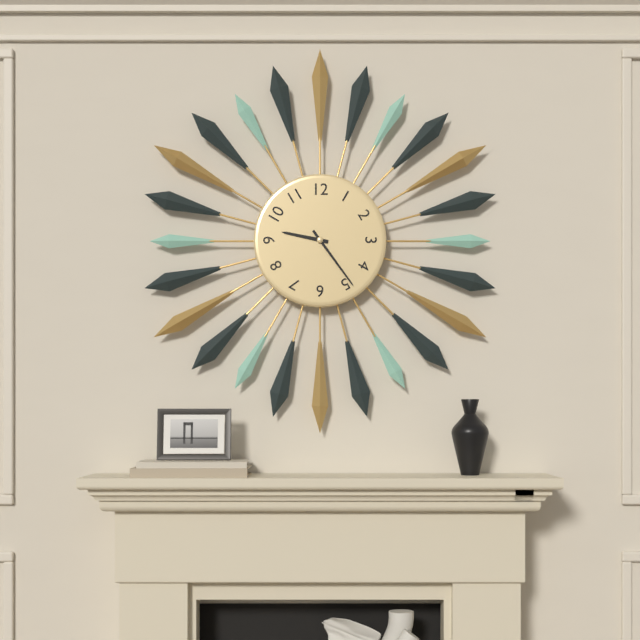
9:24
